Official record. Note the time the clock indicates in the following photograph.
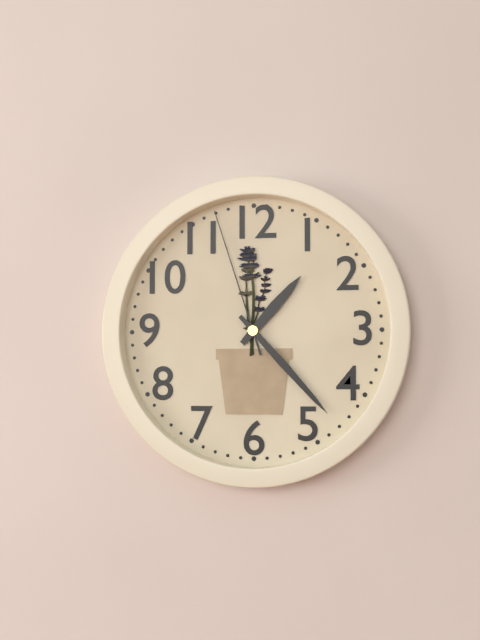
1:23:57
